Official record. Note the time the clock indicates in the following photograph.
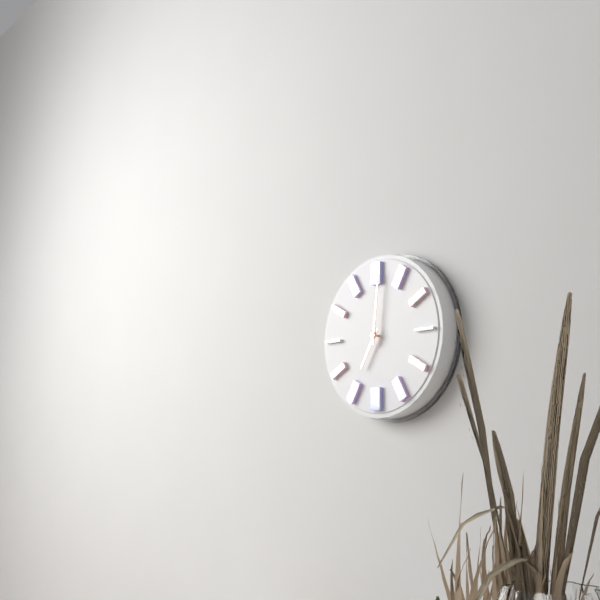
7:01
